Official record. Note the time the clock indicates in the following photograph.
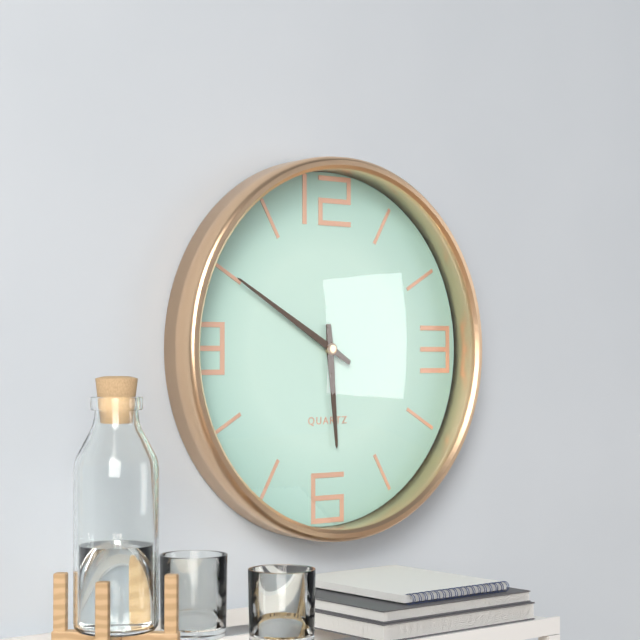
5:50
